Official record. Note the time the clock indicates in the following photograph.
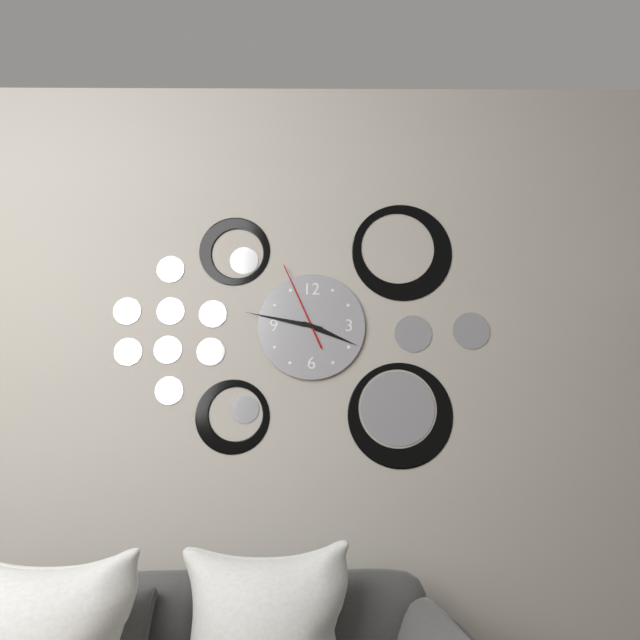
3:47:56
